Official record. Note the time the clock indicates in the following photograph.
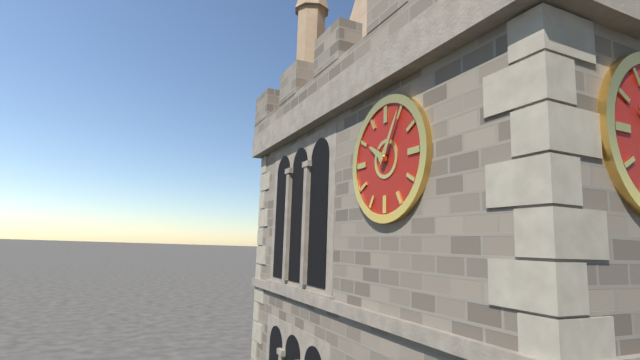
10:05
